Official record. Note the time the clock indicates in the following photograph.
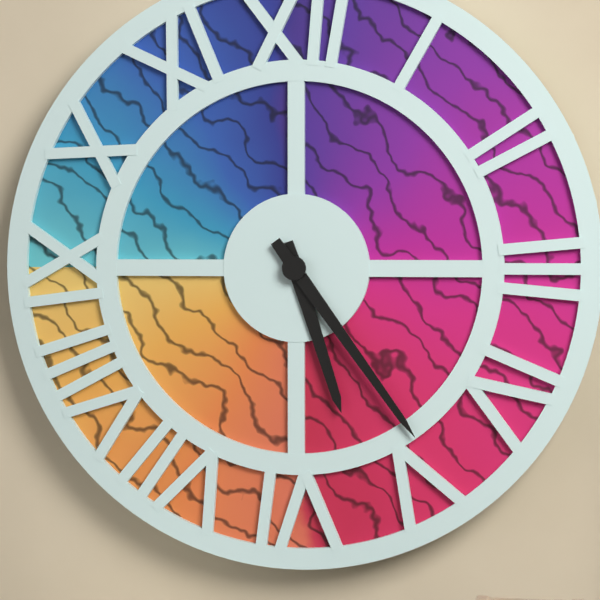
5:24
